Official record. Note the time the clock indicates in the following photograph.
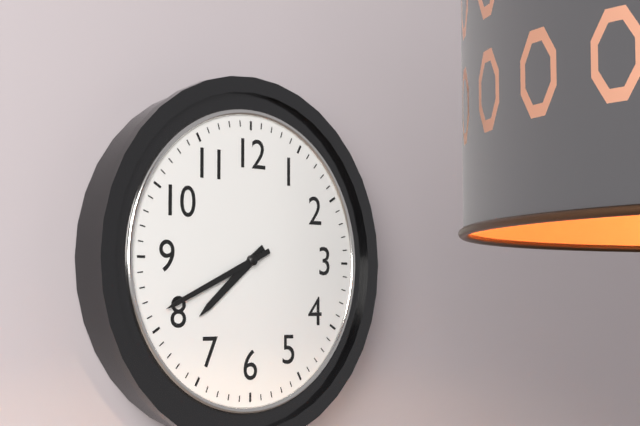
7:41
